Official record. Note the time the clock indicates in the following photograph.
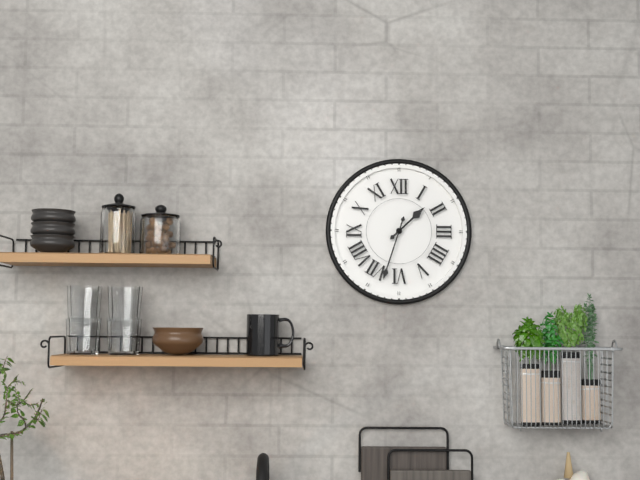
1:33
